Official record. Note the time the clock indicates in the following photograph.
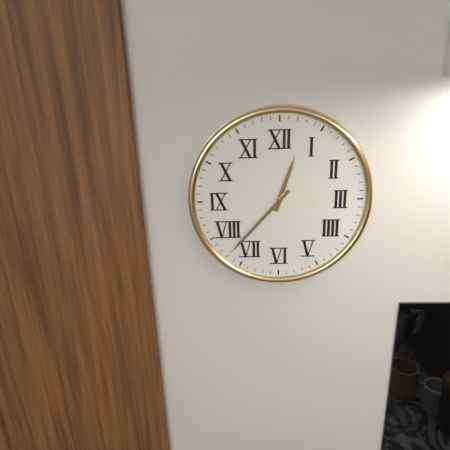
12:37
